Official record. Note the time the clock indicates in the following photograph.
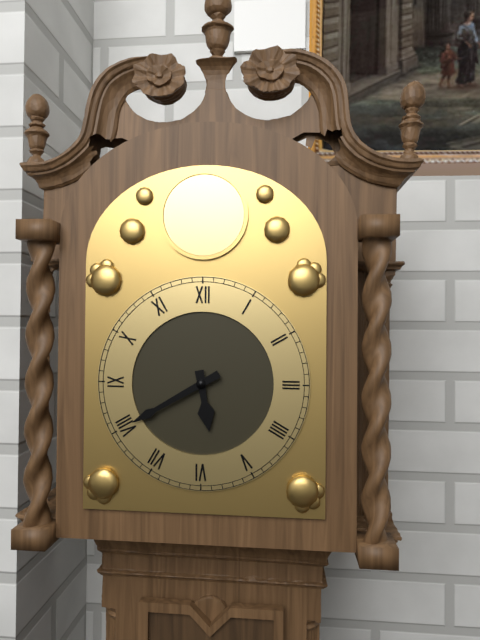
5:40
